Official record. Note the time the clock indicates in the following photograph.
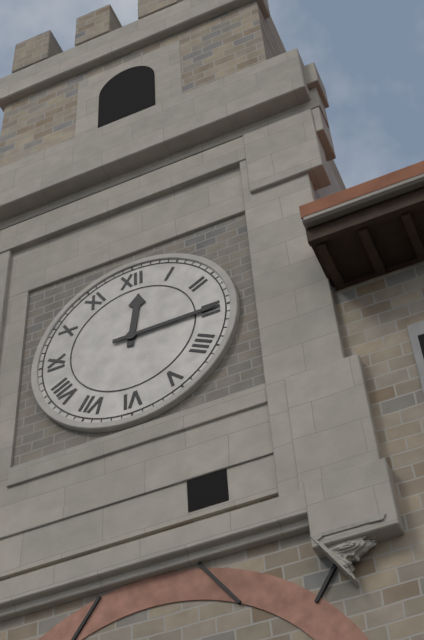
12:15
